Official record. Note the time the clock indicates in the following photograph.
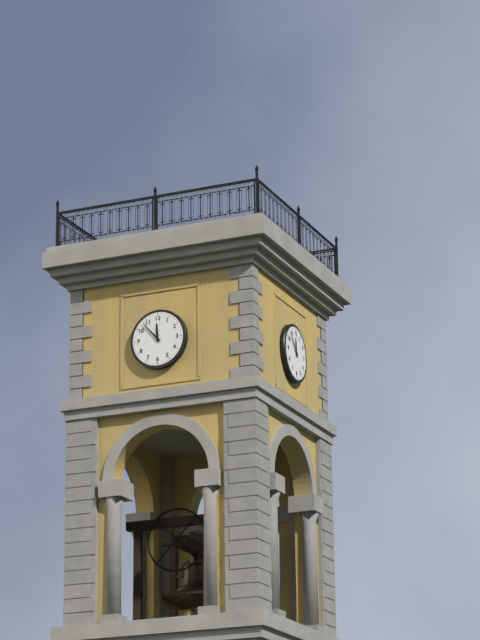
11:53
